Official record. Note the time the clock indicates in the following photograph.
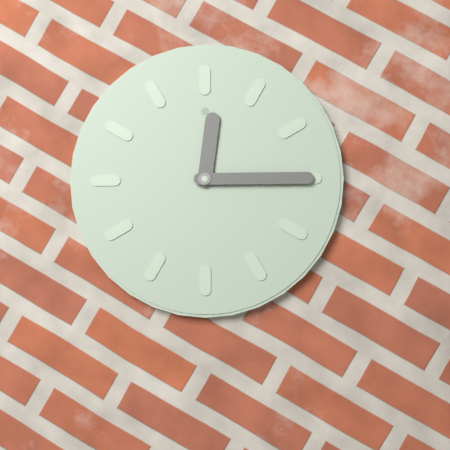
12:15
